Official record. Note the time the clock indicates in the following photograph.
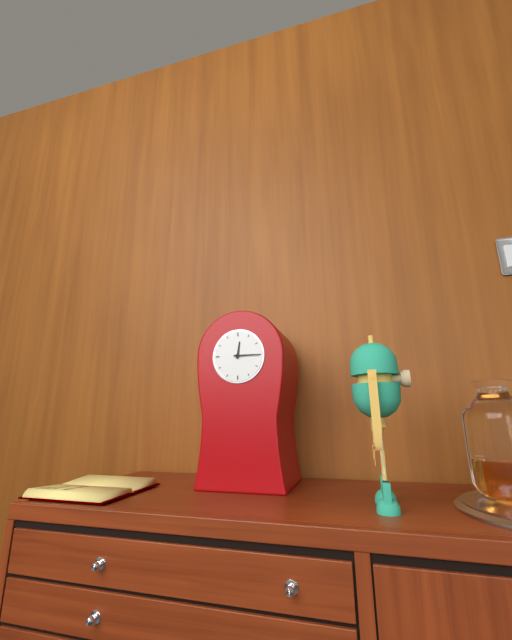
12:15
